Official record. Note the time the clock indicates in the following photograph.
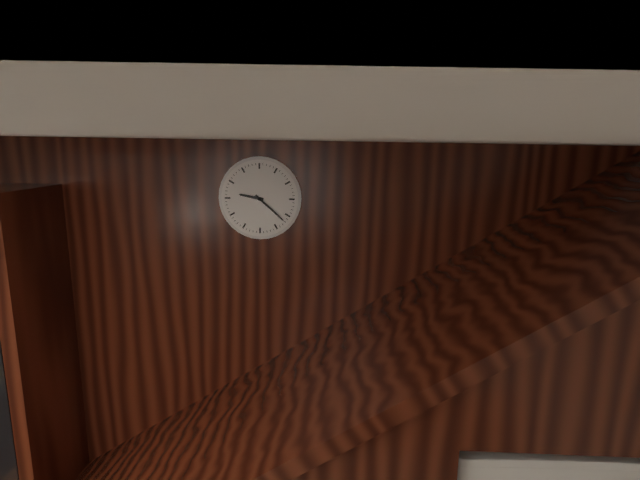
9:22
